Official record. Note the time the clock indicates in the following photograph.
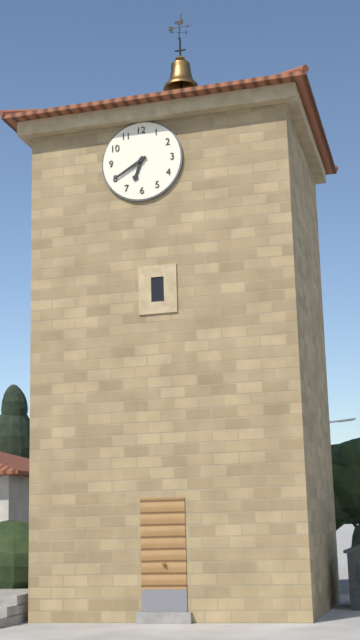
6:40
